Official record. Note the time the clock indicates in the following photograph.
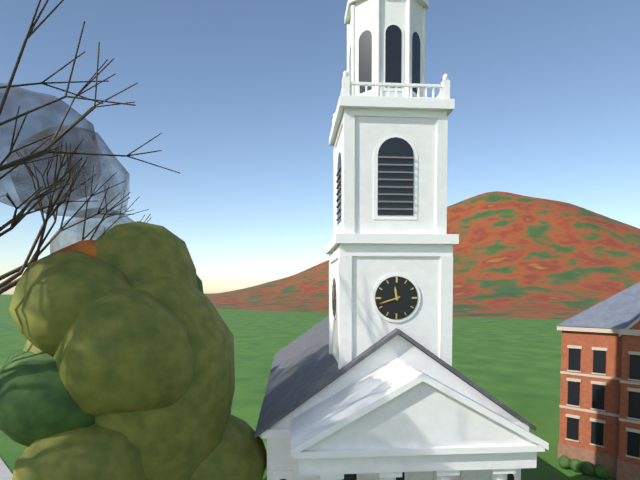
11:42
